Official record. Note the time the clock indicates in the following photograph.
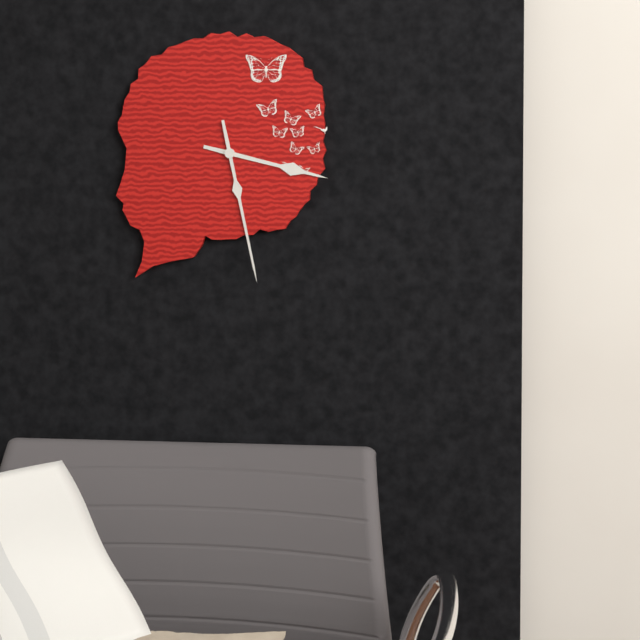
3:28
